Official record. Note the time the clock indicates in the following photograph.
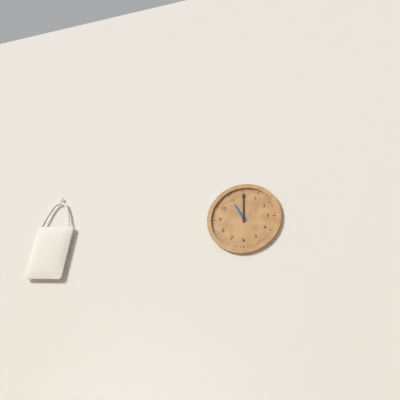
11:00
